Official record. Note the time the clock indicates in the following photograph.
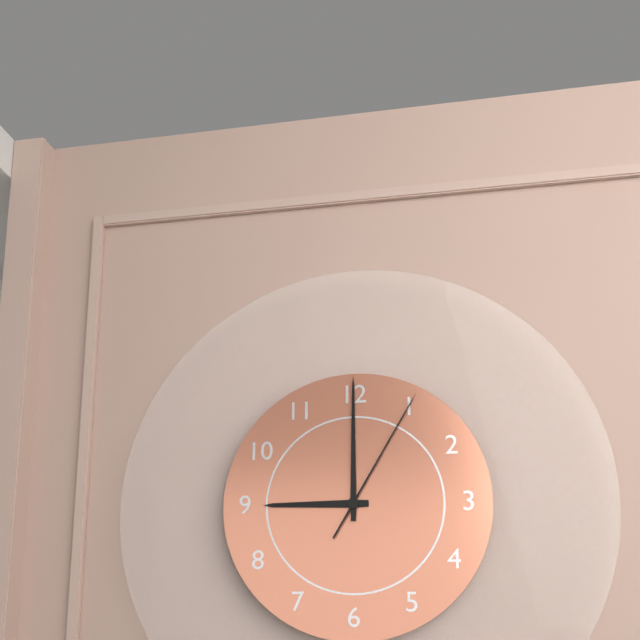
9:00:05
